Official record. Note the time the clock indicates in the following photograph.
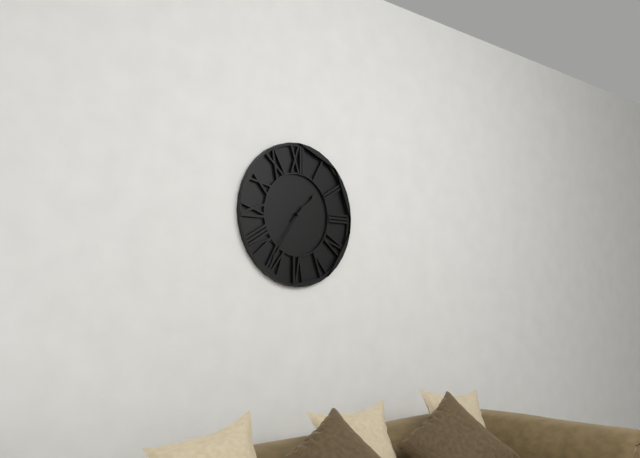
1:36
